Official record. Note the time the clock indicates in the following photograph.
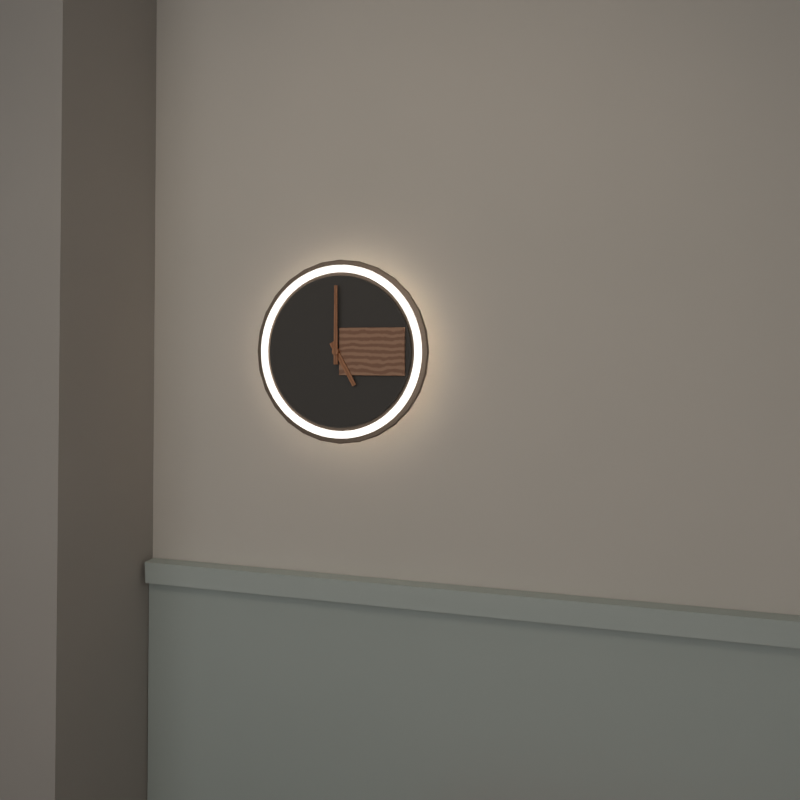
5:00
